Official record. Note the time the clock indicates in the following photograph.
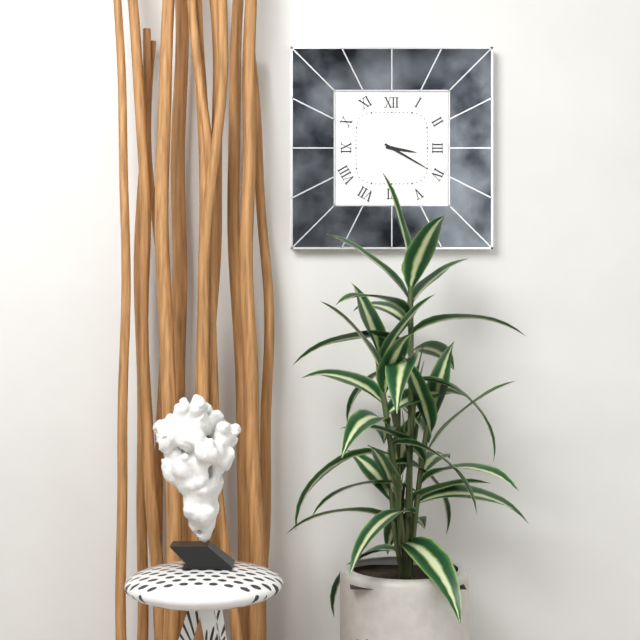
3:20
